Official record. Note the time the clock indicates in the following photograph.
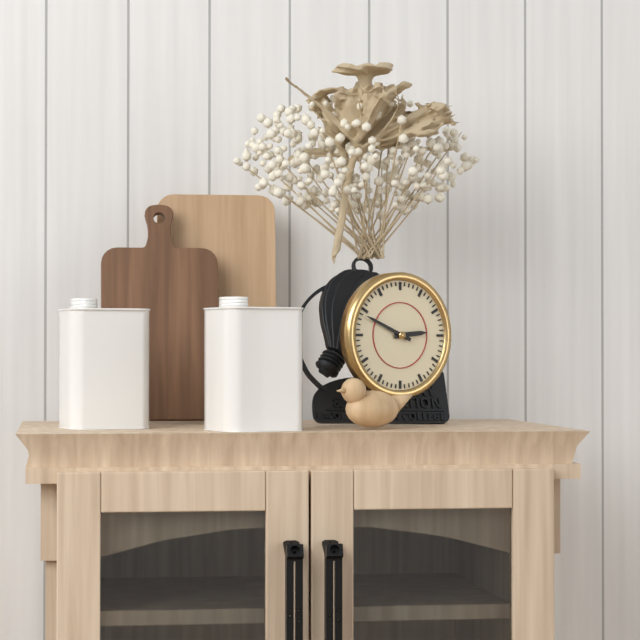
2:49
